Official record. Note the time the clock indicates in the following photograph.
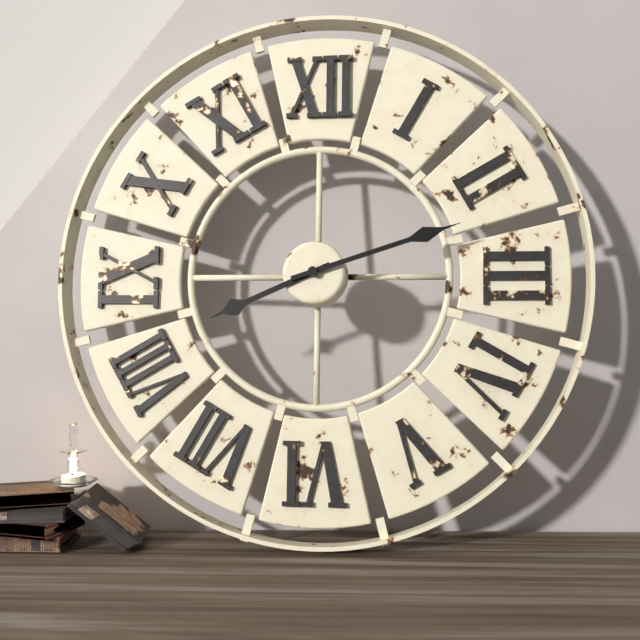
8:12
